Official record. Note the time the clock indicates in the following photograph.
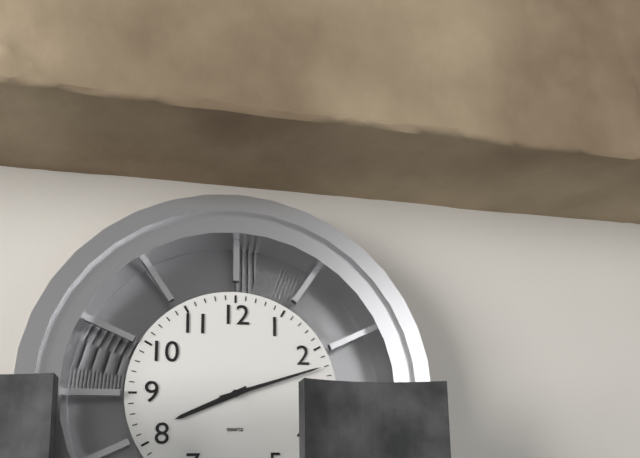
8:12
